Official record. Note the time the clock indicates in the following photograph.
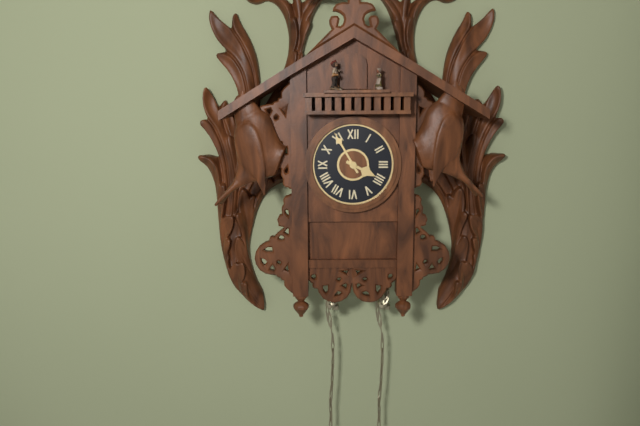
3:55
